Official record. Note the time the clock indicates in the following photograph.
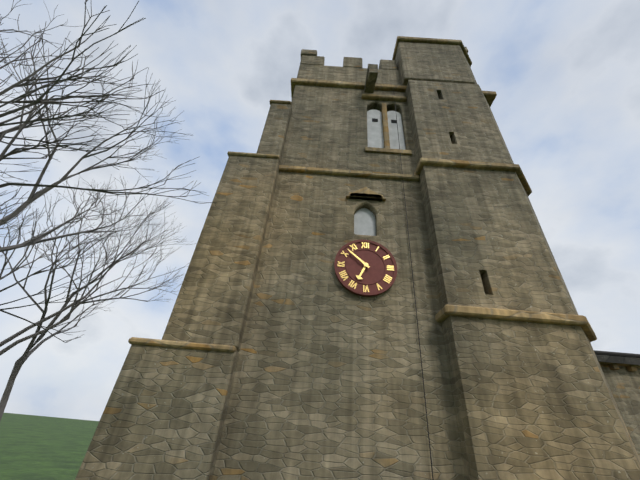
6:52
